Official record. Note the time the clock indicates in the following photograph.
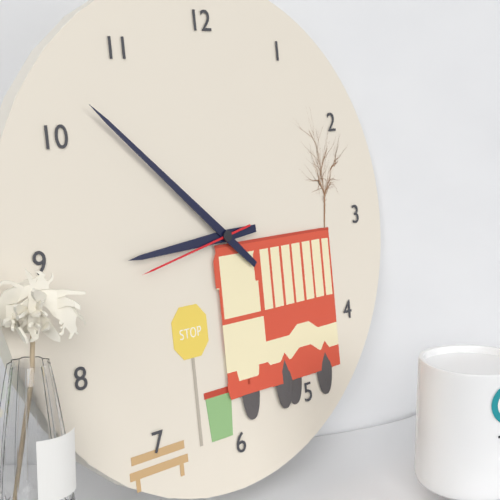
8:52:43
